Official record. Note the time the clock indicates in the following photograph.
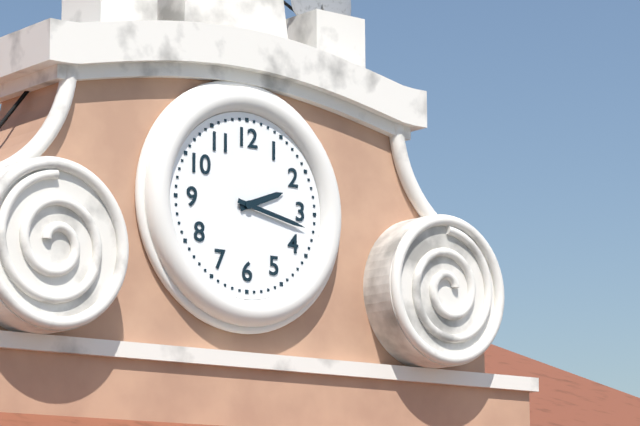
2:17
